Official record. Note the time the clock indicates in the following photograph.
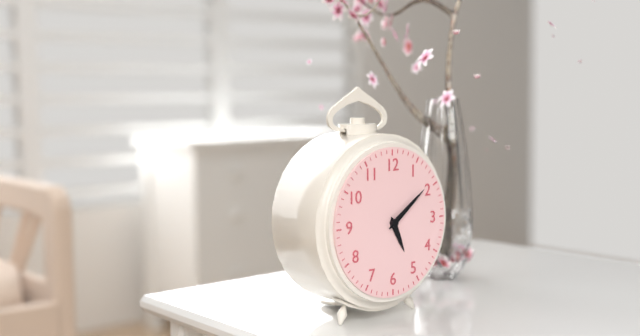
5:09
